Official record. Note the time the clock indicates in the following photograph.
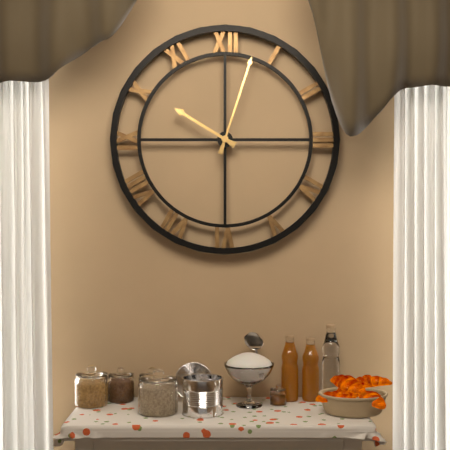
10:03
